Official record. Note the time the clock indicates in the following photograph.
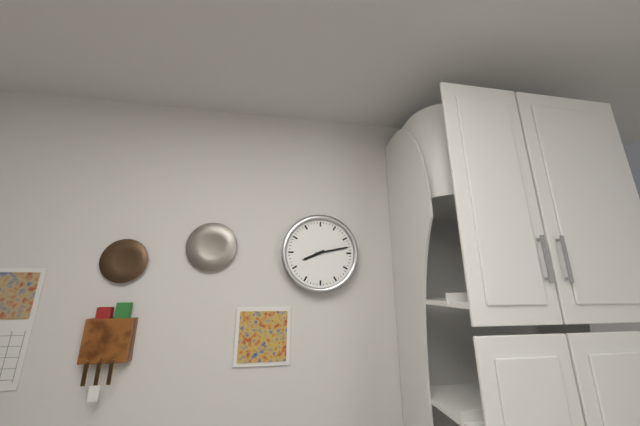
8:13
